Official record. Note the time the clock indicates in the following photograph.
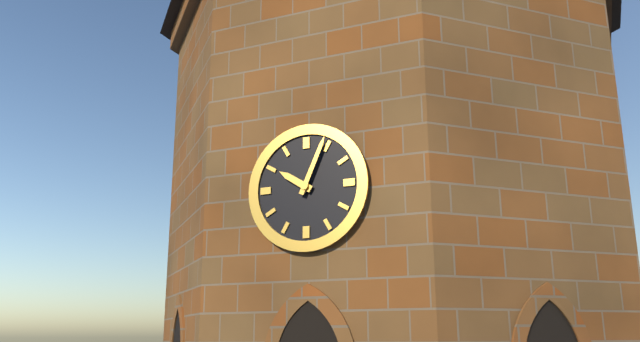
10:04
